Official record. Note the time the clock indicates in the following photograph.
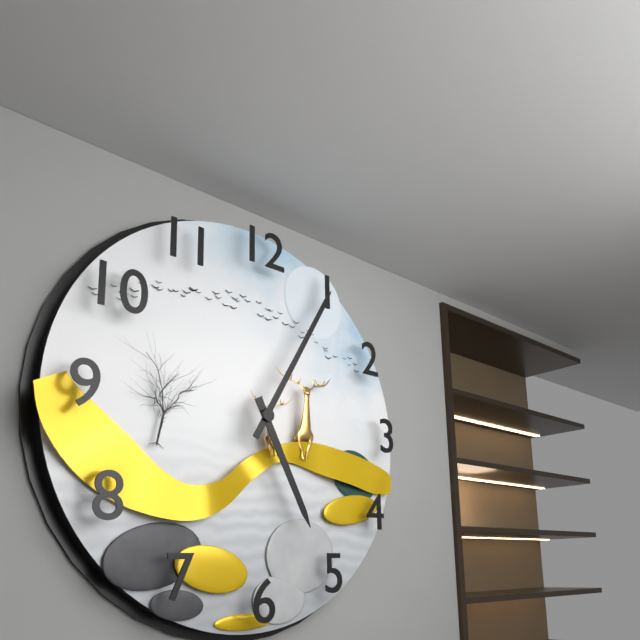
5:05
